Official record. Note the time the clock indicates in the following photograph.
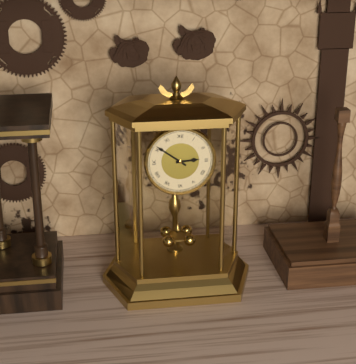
2:51
